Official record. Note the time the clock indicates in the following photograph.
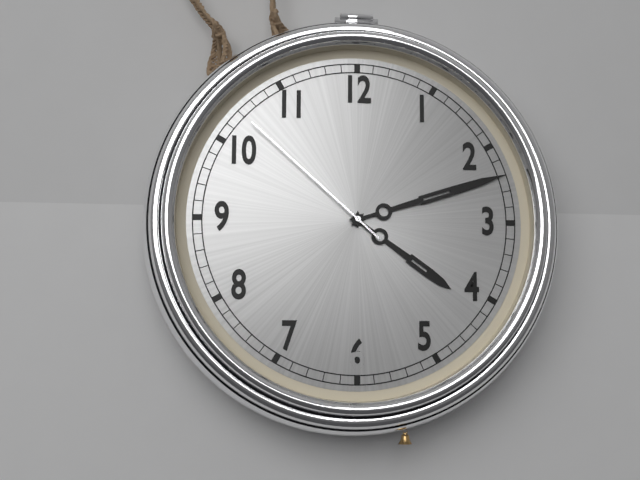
4:12:52
